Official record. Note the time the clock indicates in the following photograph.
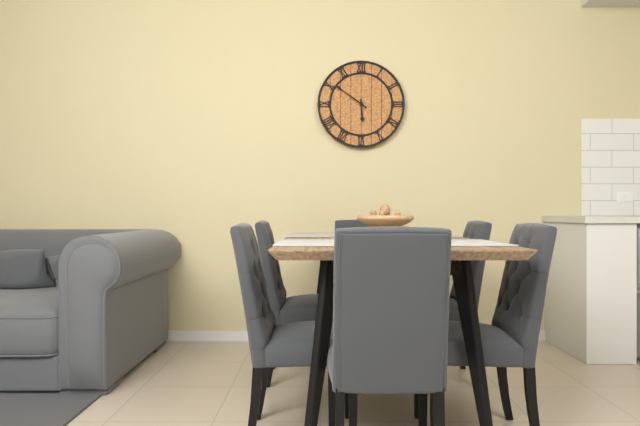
5:51
